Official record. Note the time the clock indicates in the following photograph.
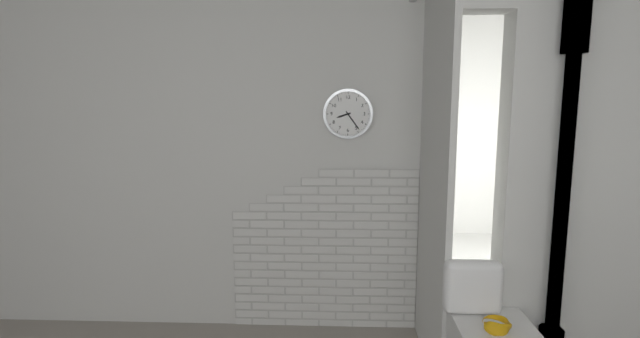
8:24
